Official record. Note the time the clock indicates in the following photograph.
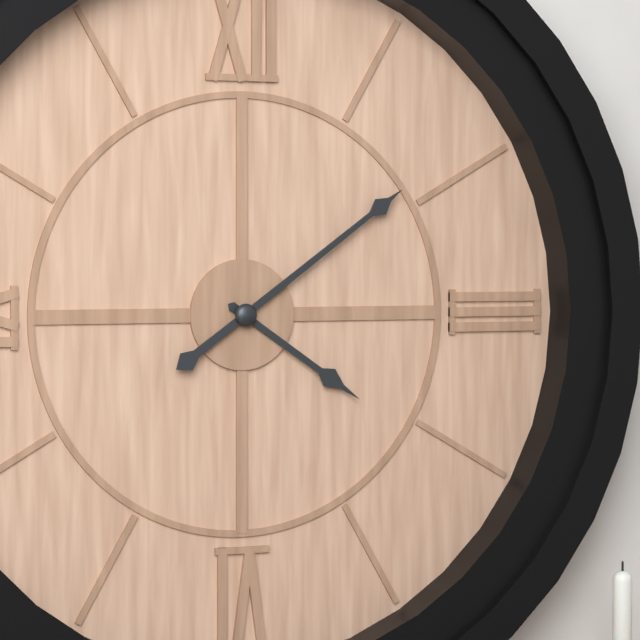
4:09
